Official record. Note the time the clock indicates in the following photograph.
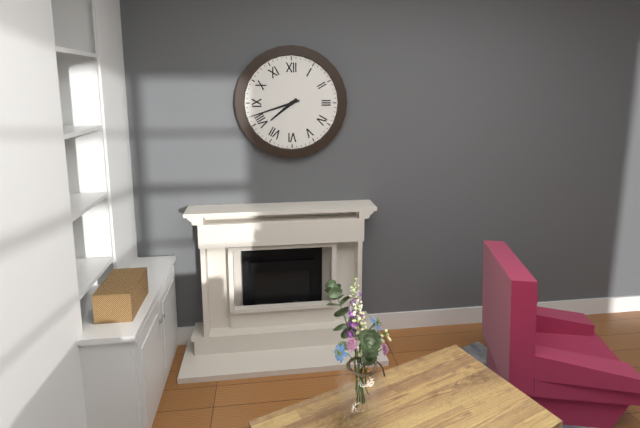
7:42
